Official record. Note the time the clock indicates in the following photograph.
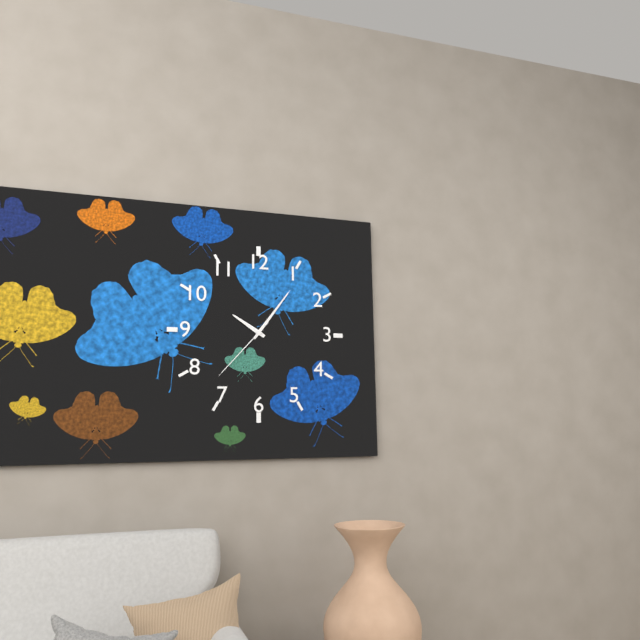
10:06:37
